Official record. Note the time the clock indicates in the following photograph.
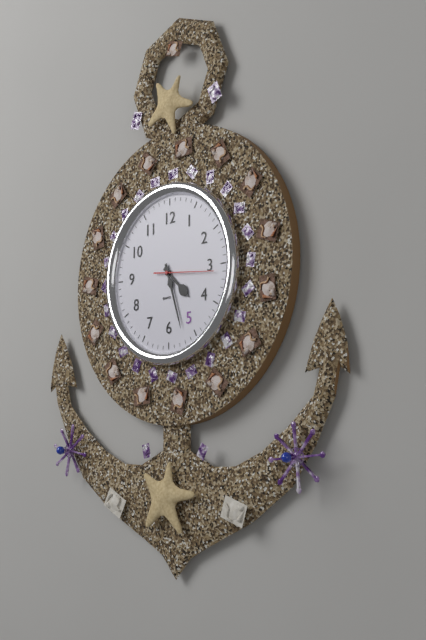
4:27:16
